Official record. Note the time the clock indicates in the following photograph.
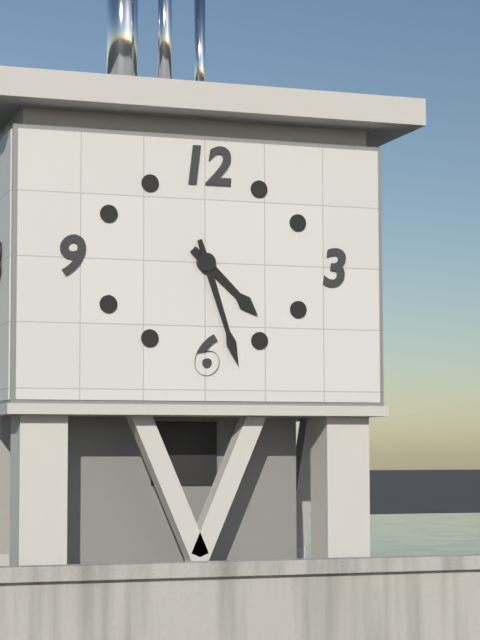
4:27
